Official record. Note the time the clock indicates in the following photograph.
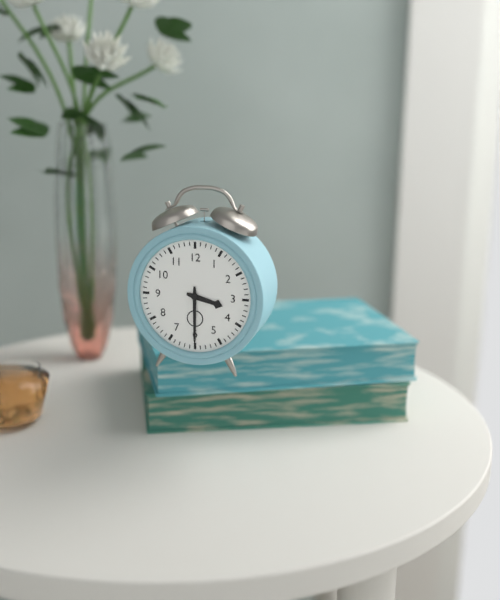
3:30
